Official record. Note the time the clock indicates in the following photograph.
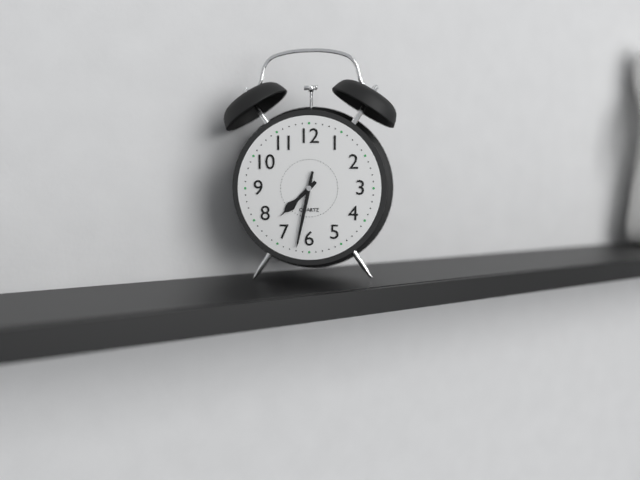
7:32
